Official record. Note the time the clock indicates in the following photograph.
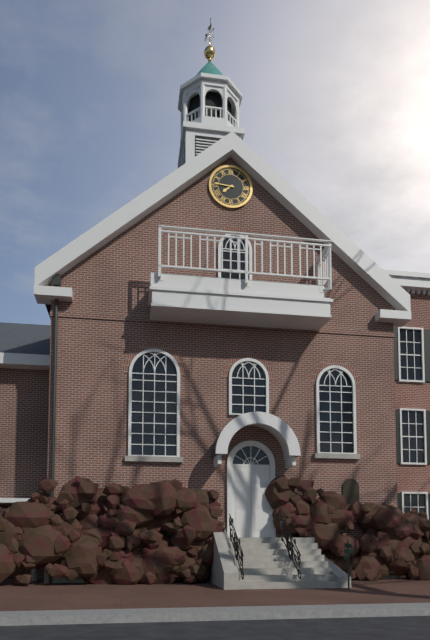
7:46
